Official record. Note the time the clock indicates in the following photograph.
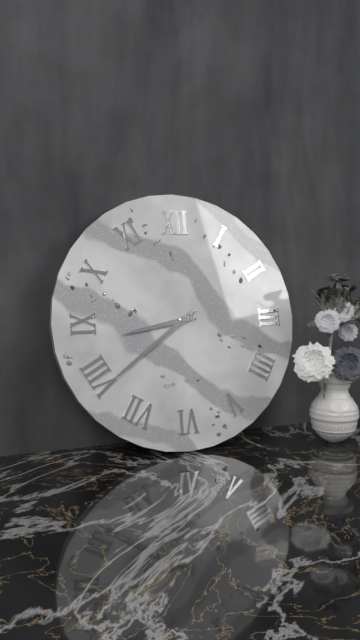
8:39
